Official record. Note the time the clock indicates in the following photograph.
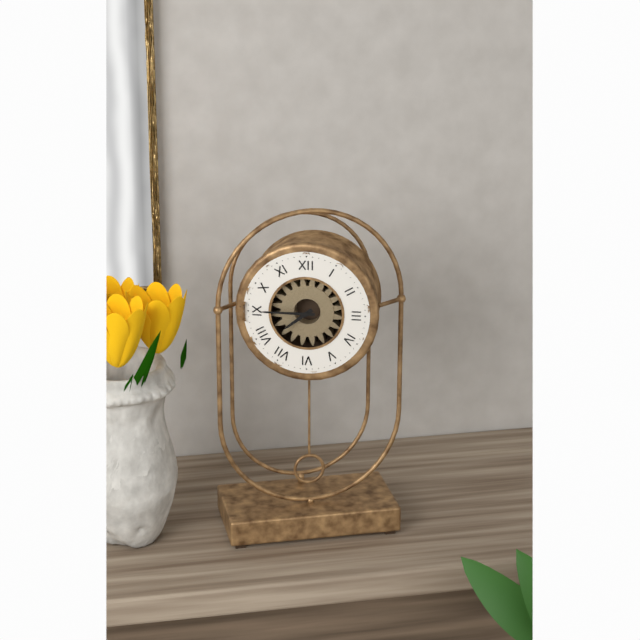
7:45
